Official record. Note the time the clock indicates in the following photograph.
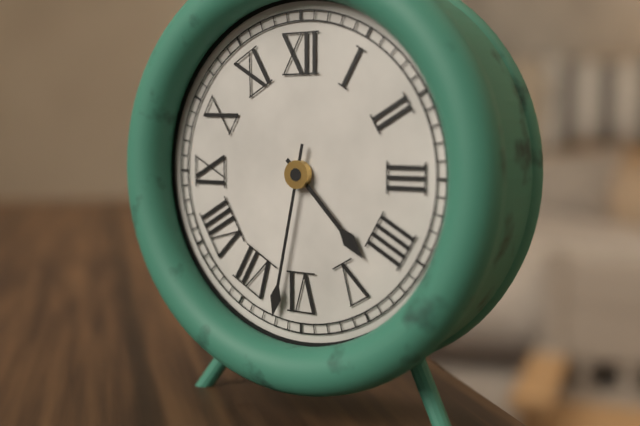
4:32
